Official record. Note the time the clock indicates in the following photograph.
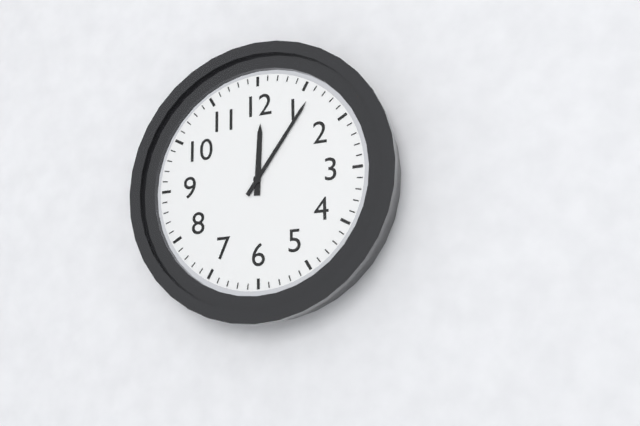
12:06
